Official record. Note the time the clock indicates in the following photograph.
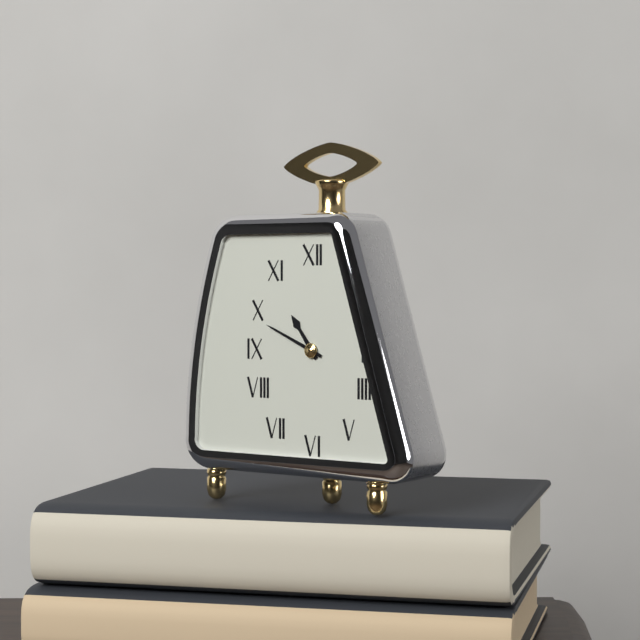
10:49
